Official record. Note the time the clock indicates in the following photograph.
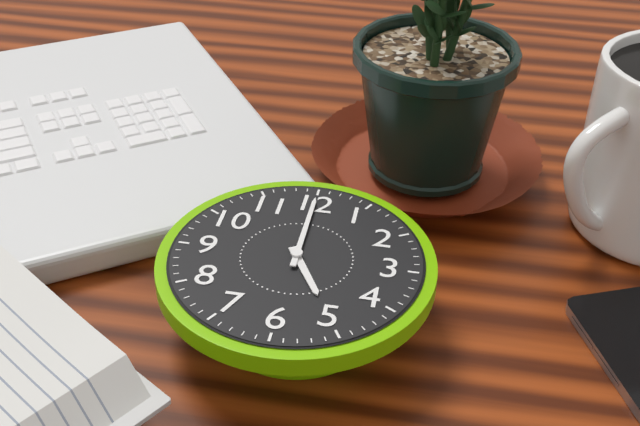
5:00
